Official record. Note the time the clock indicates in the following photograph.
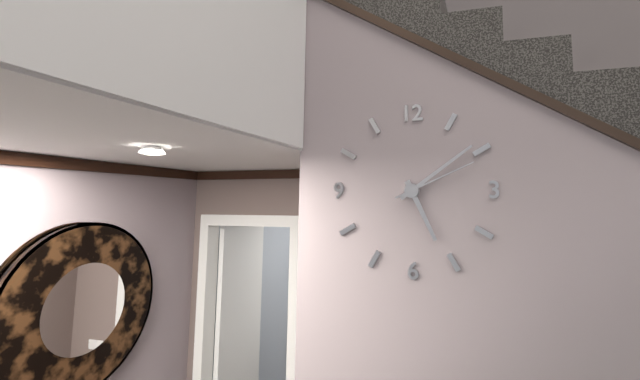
5:09:11
